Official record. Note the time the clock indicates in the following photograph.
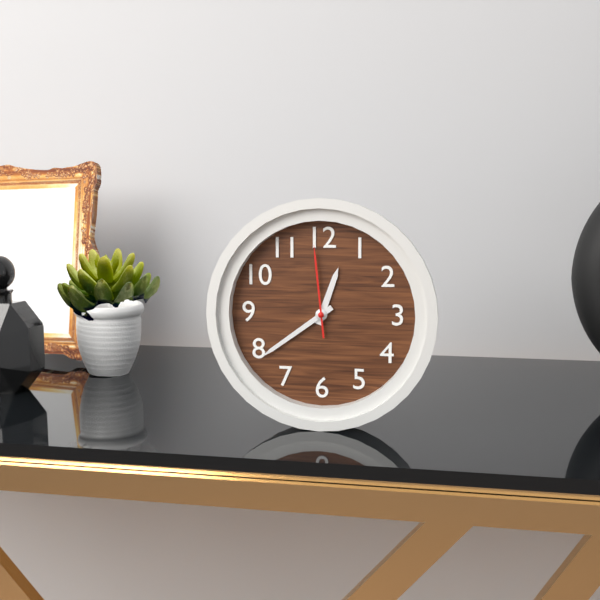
12:39:59
